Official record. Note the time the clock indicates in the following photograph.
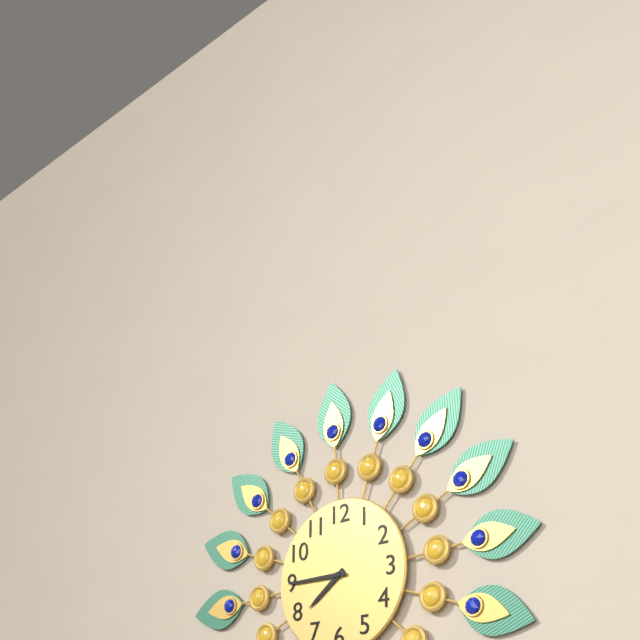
7:45
